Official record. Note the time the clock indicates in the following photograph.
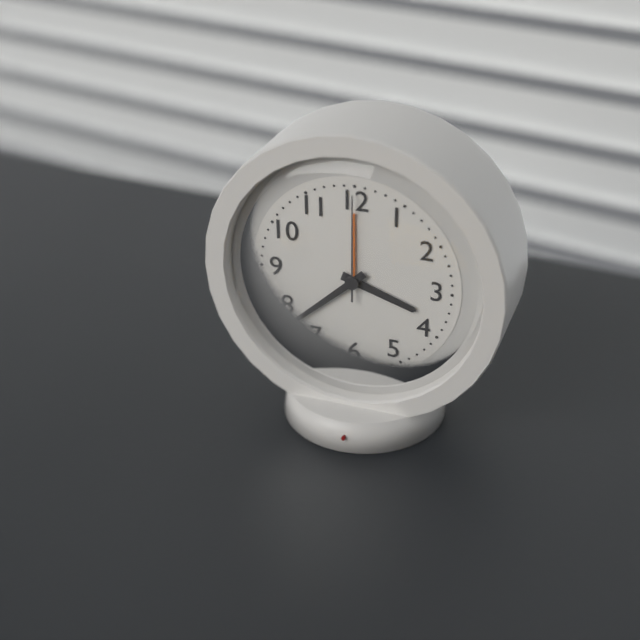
3:38:00
